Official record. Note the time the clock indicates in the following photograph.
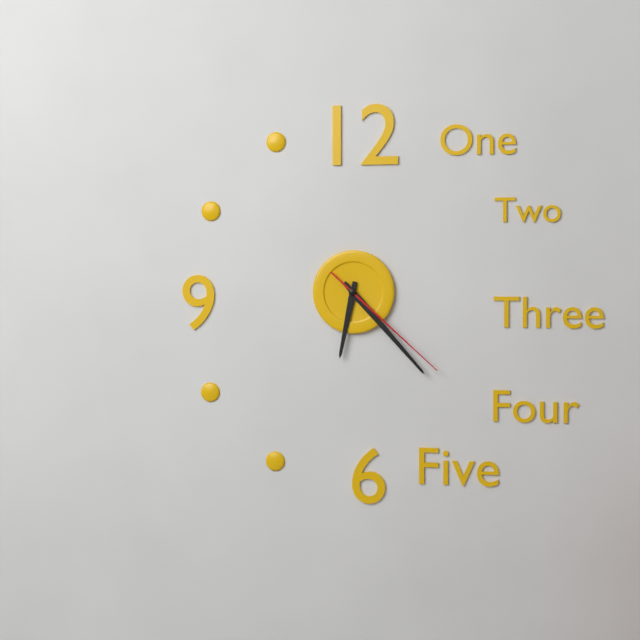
6:23:22
